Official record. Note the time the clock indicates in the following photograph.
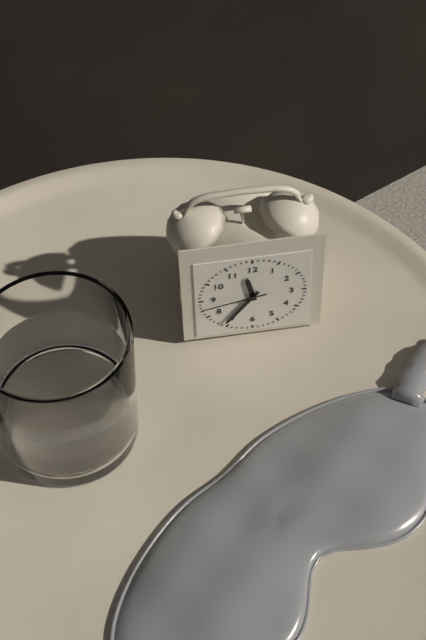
11:36:43
